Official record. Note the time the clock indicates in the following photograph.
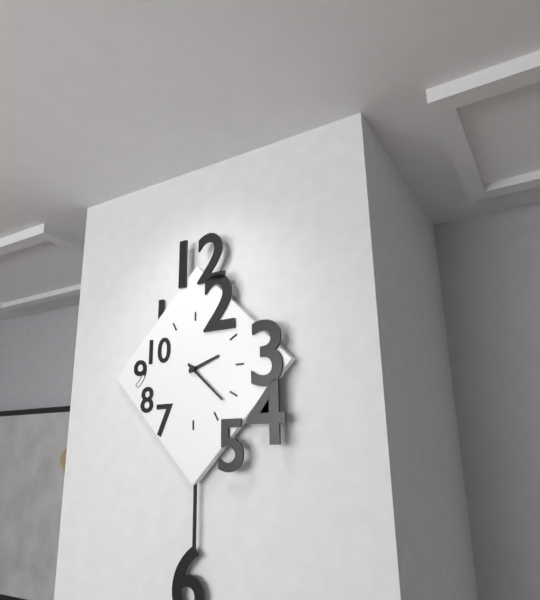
2:22
